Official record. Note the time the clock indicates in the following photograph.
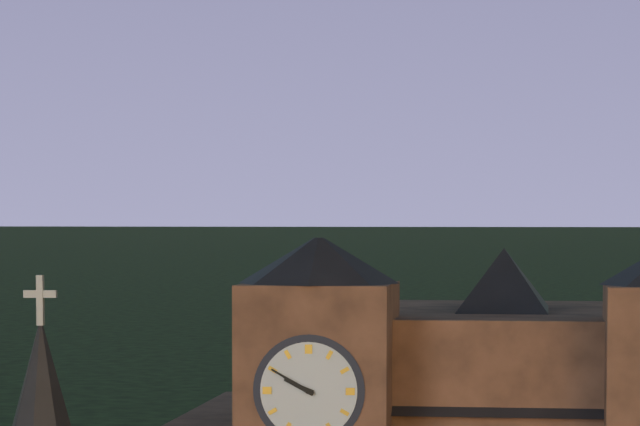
9:50
